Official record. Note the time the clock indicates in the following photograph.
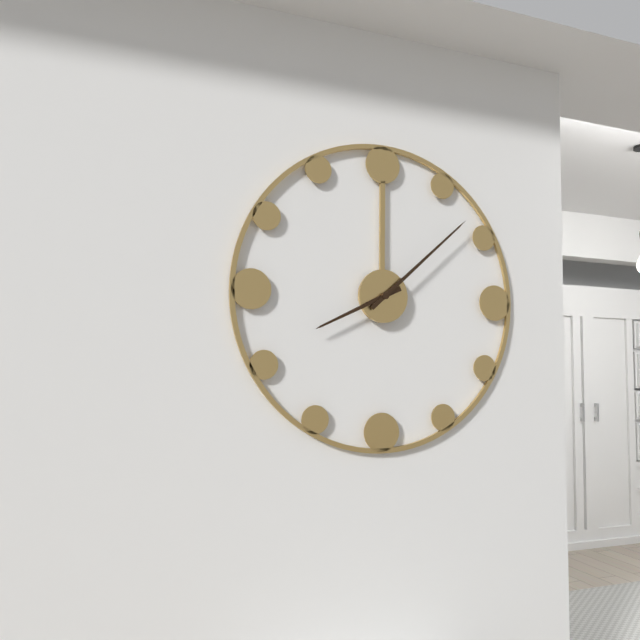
8:08
